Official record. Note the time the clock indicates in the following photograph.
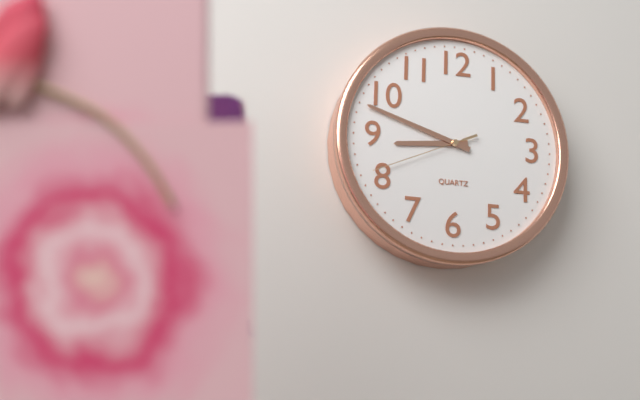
8:48:41
